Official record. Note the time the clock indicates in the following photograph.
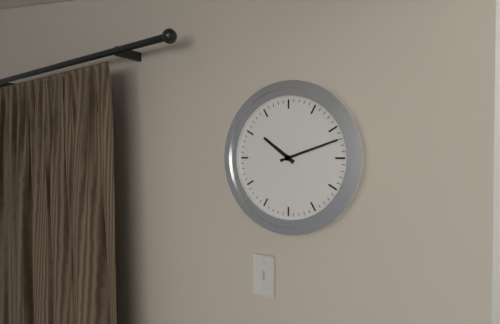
10:12
